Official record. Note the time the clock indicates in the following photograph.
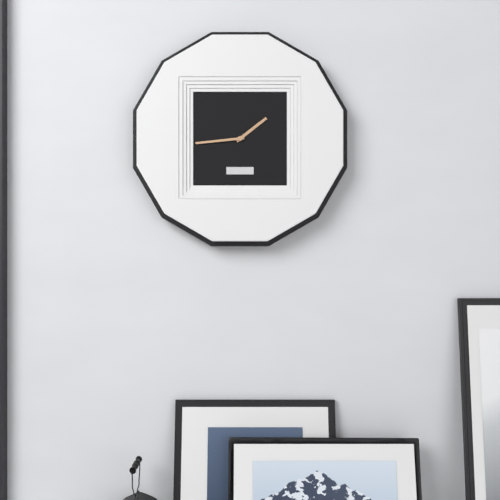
1:44
